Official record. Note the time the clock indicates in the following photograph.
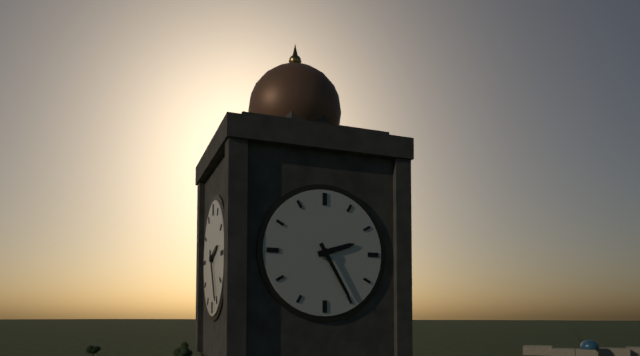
2:25
